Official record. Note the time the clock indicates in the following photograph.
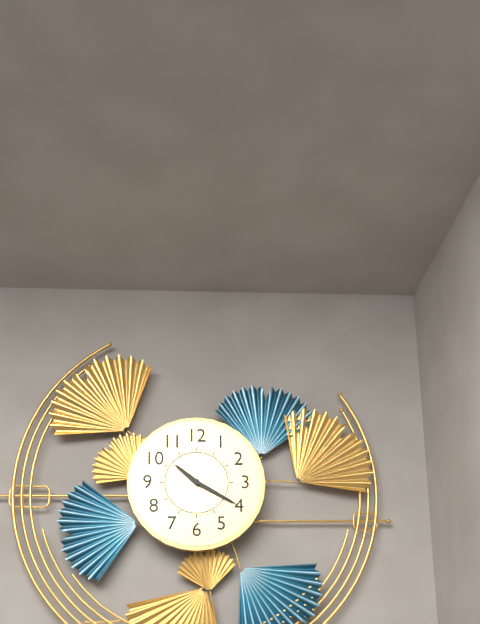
10:20
